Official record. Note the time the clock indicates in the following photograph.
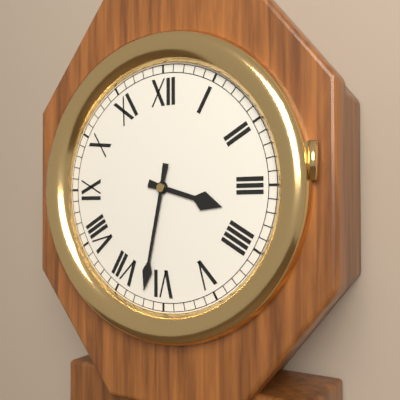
3:32
